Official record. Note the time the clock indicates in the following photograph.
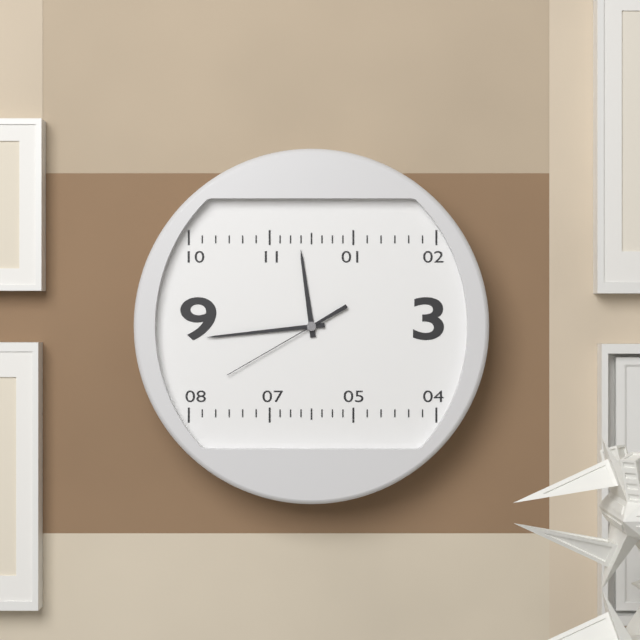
11:44:40
